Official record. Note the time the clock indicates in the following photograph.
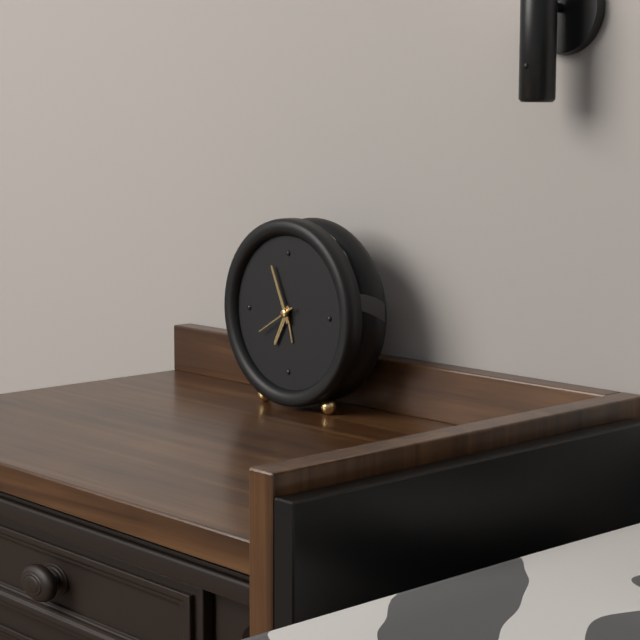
6:56
